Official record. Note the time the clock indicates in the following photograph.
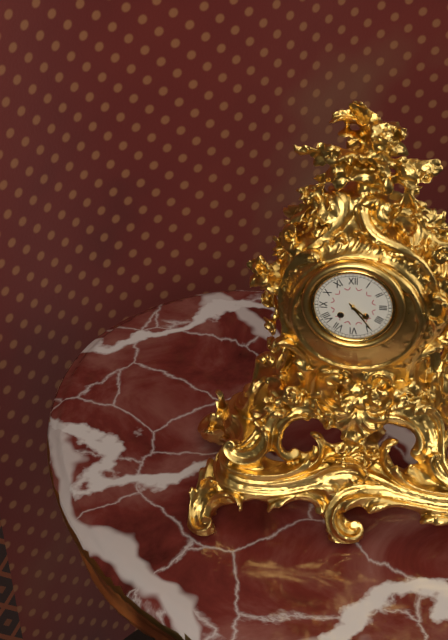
4:24
